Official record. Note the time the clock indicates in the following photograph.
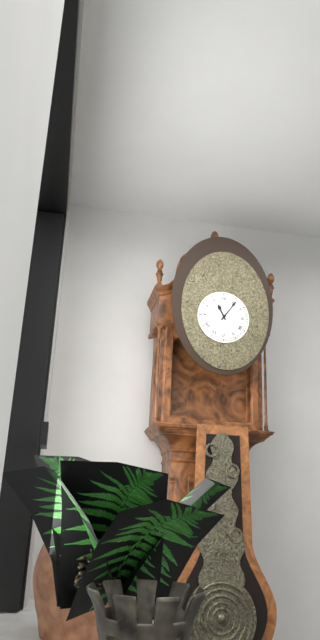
11:06
